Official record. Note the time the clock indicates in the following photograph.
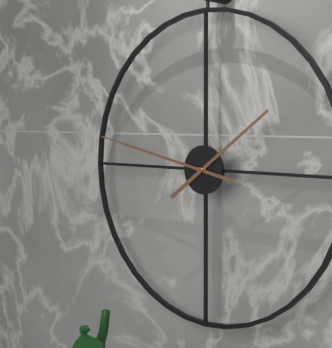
1:47
